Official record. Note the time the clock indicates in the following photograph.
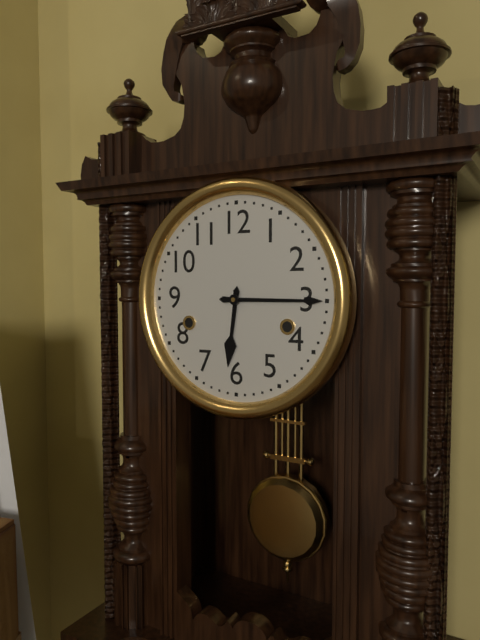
6:15
